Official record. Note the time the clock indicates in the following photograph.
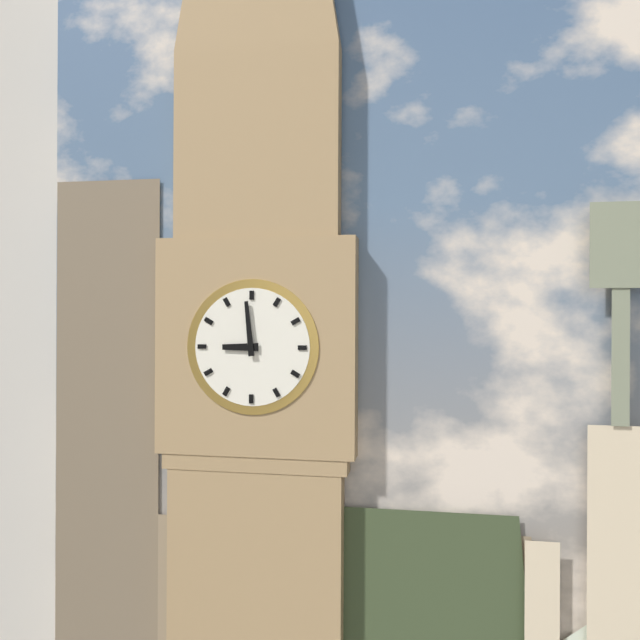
8:59
